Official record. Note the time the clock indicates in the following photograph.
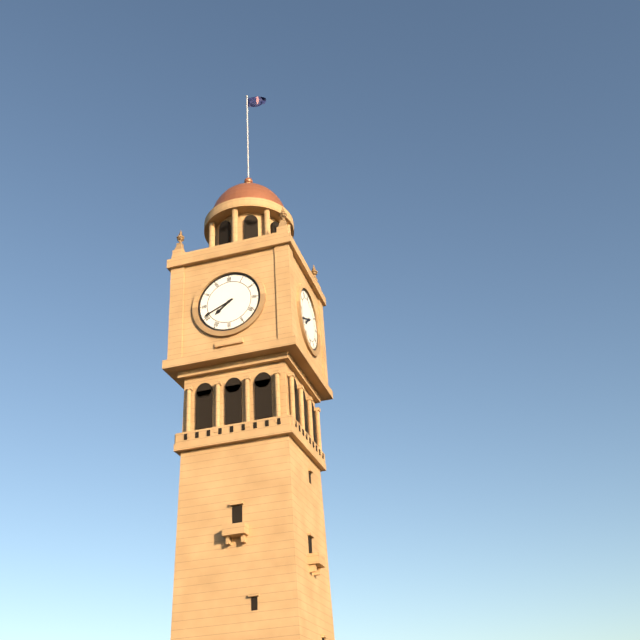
7:41
